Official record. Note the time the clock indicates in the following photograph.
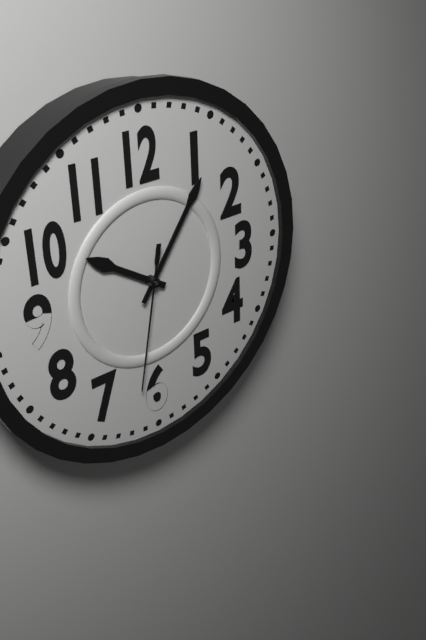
10:06:32
